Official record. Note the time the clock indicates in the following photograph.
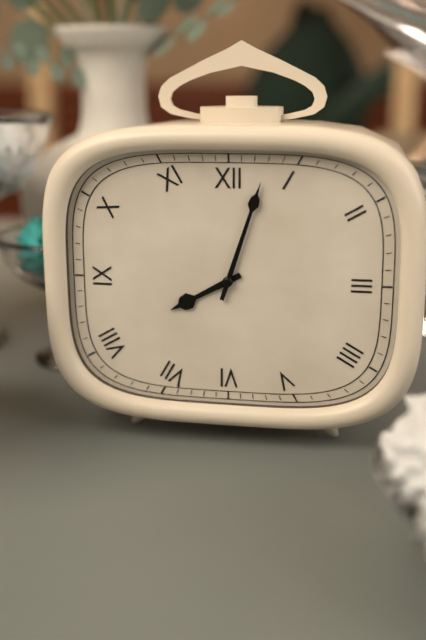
8:03
